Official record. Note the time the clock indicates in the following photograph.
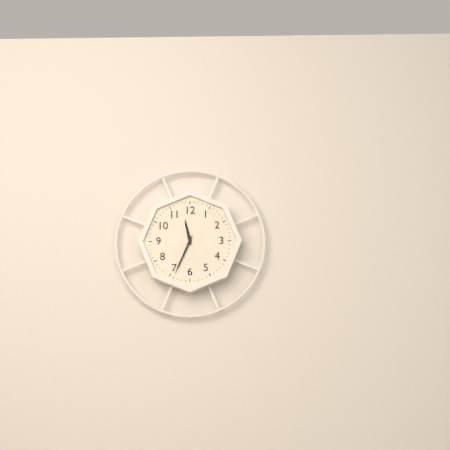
11:34
